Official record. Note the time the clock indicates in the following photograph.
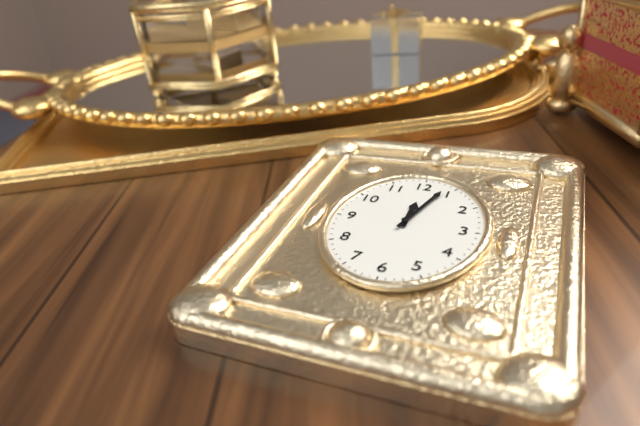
12:03
